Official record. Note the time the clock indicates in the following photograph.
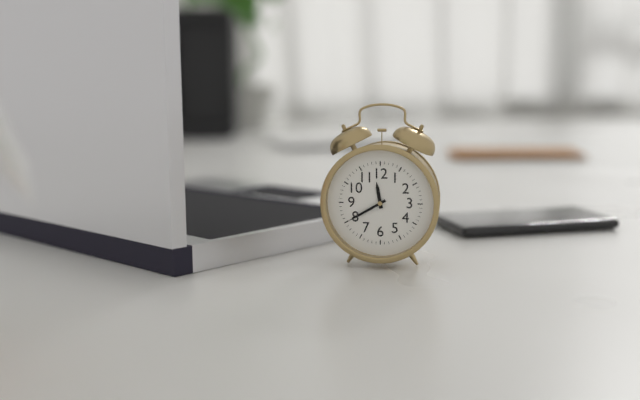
11:40
